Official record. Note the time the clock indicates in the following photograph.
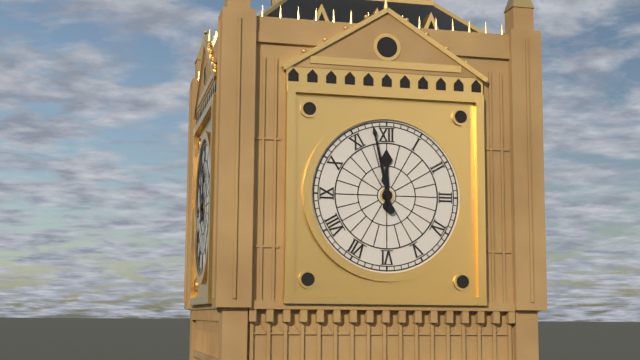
11:58
